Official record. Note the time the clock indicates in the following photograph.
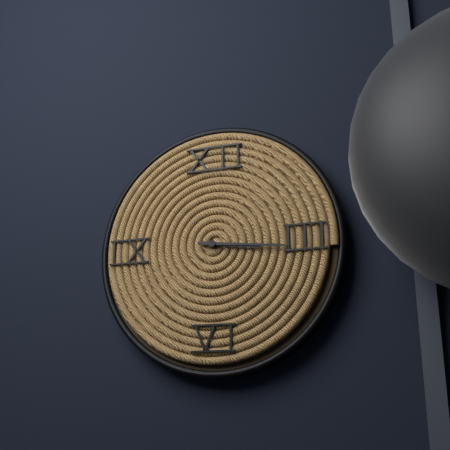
3:16
